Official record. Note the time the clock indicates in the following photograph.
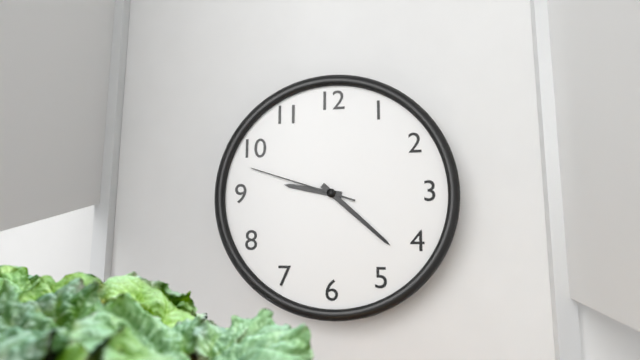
9:22:48
